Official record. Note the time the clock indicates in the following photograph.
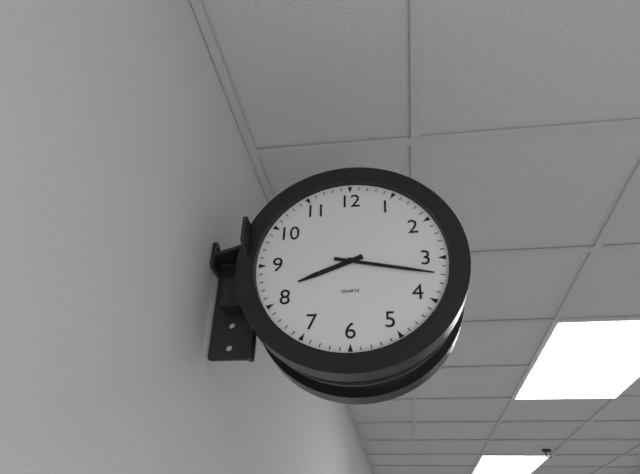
8:17
